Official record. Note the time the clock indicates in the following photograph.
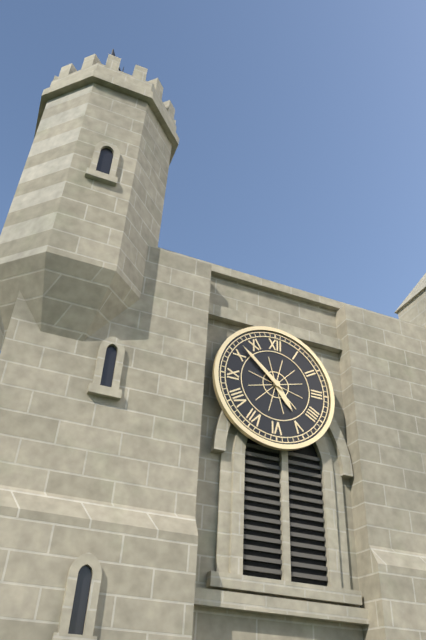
4:52
